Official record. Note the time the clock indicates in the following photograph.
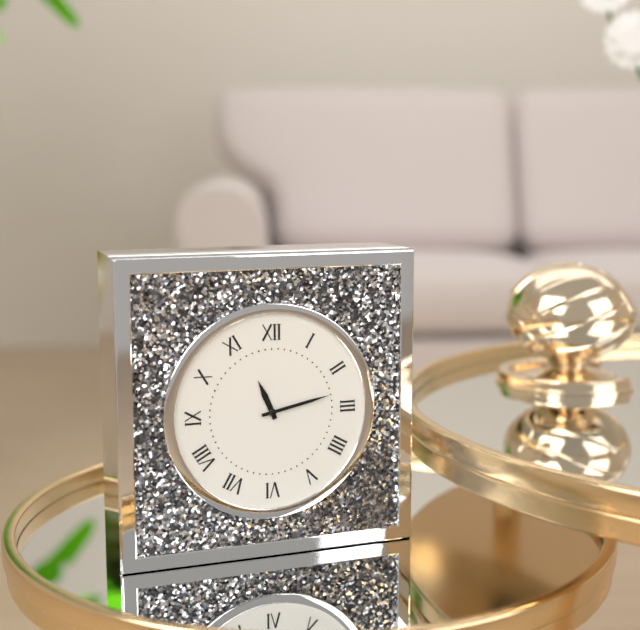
11:13
